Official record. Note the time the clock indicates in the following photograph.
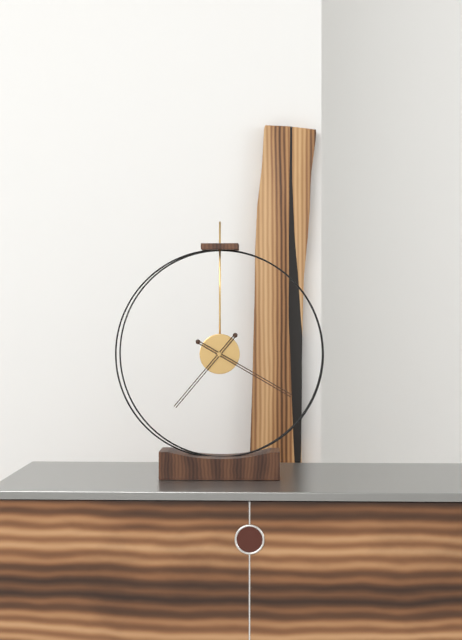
7:20
